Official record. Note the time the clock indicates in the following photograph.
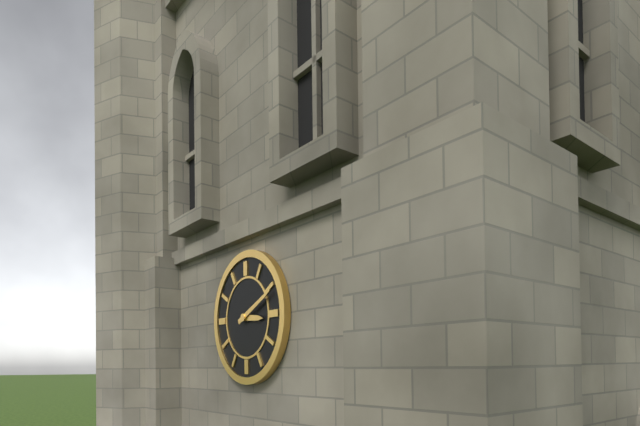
3:11
